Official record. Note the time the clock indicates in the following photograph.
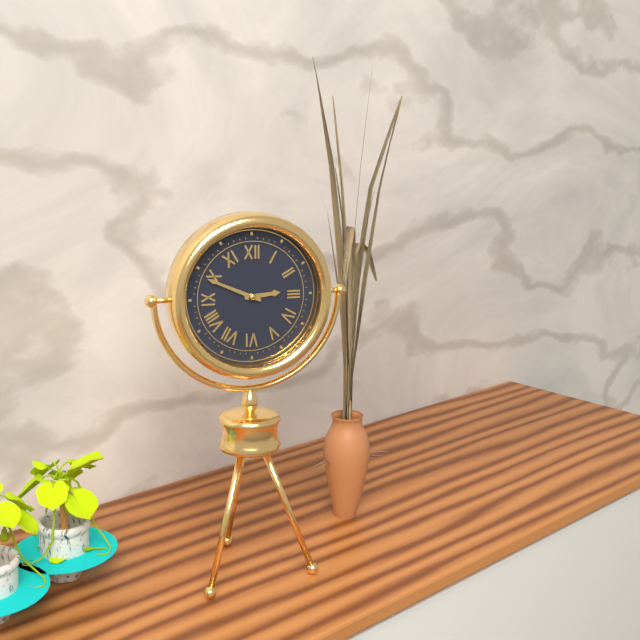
2:49
